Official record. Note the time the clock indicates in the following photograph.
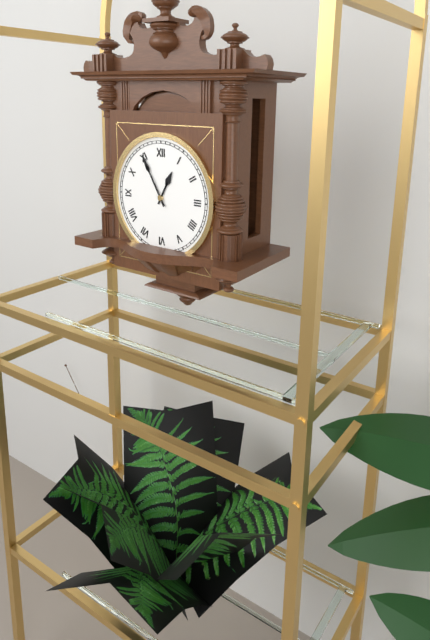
12:55
